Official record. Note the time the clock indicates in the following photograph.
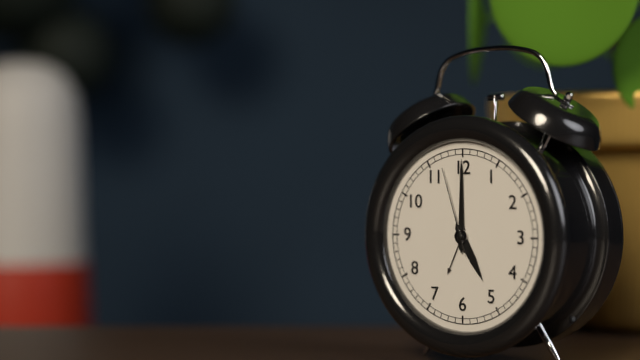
5:00:57
